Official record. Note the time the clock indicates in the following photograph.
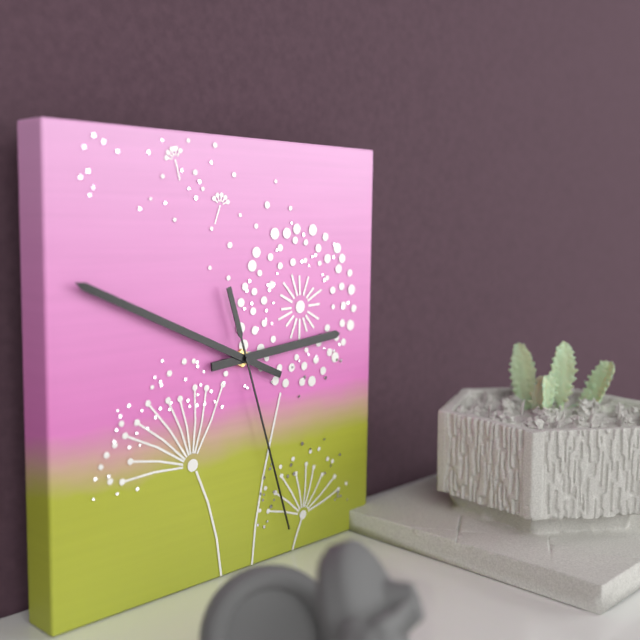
2:49:27
